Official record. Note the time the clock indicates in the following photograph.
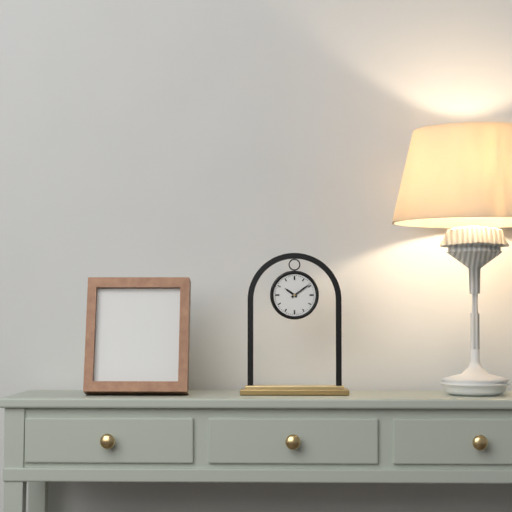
10:09
